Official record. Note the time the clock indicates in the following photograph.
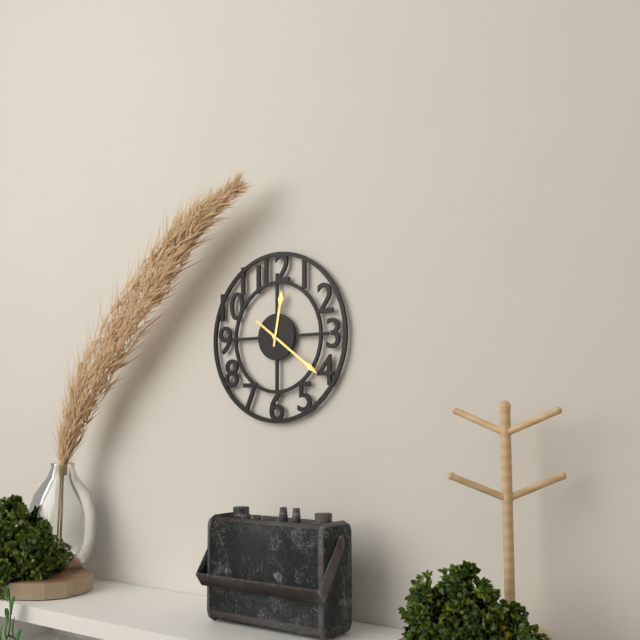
12:21
